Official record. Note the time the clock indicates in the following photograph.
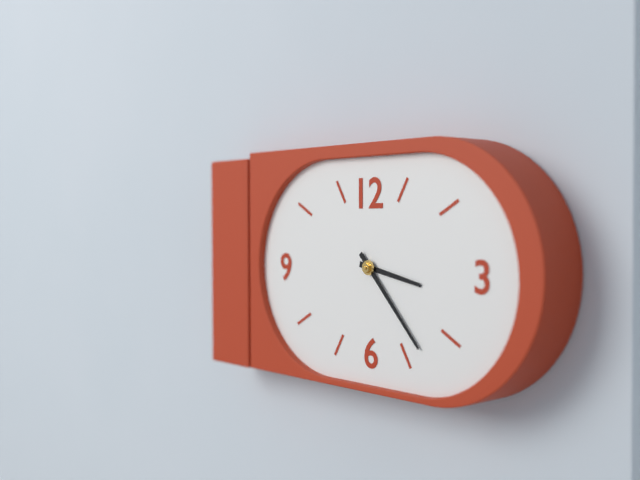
3:23
